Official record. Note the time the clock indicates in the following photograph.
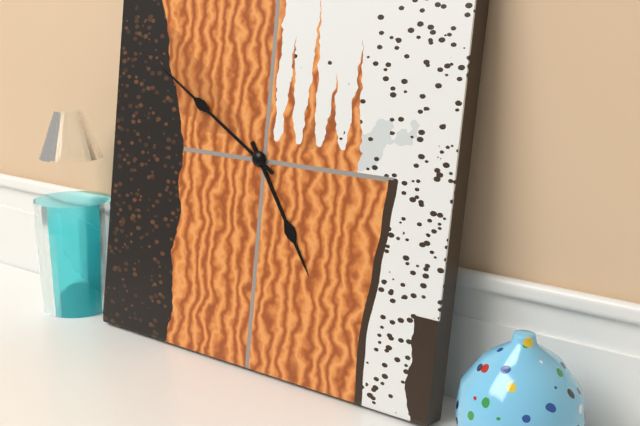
4:50
